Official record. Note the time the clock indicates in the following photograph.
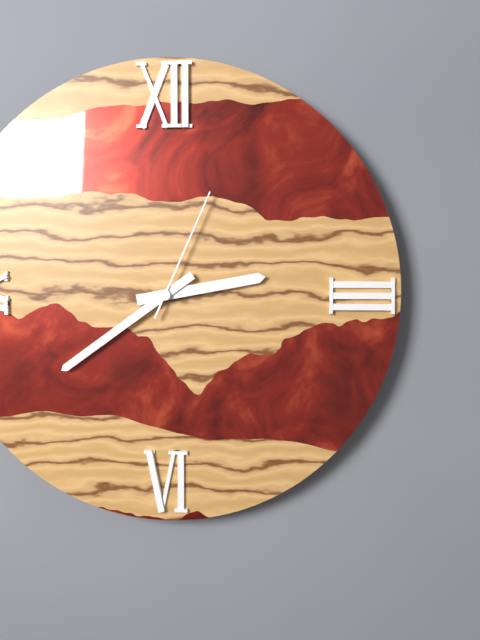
2:39:04
